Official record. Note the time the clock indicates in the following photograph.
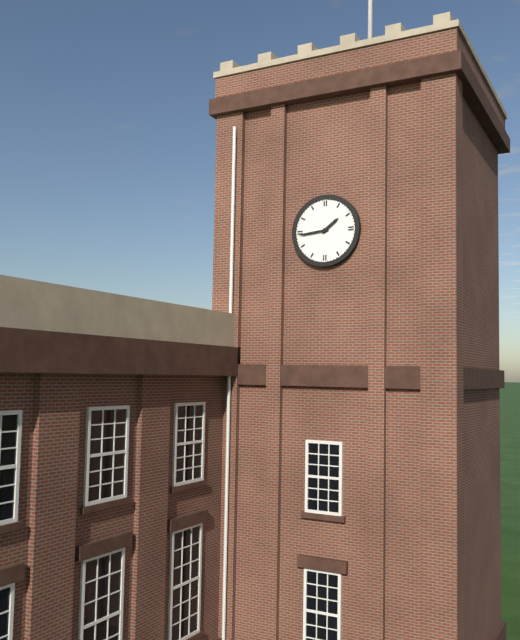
1:44
